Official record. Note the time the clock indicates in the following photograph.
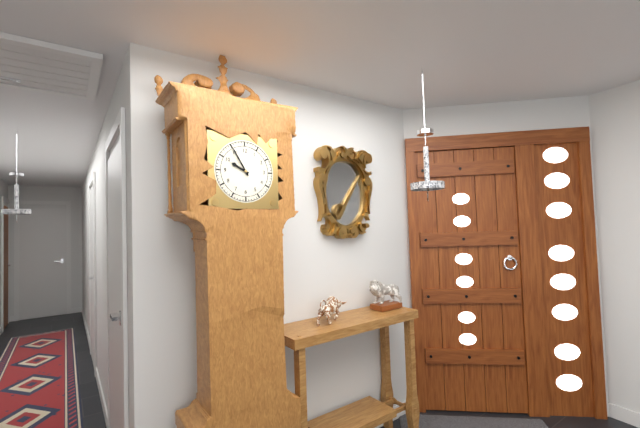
9:55
